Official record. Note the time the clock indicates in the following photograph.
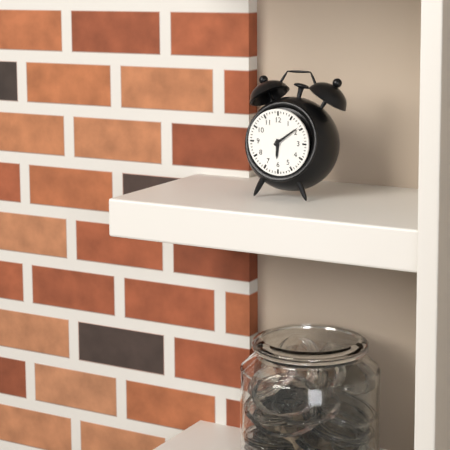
6:09
